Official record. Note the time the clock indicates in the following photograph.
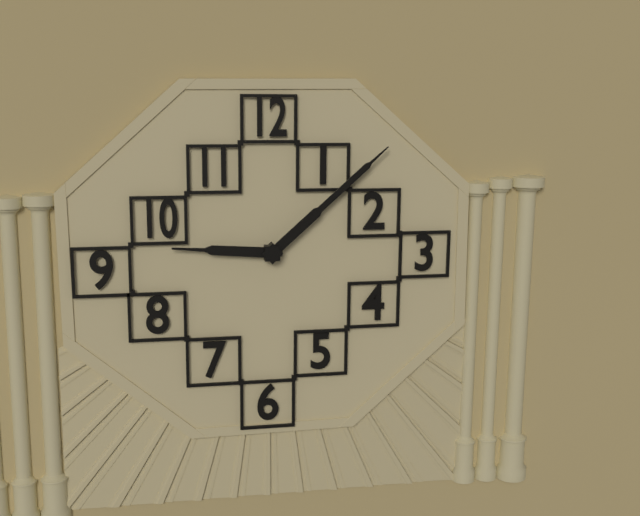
9:08
